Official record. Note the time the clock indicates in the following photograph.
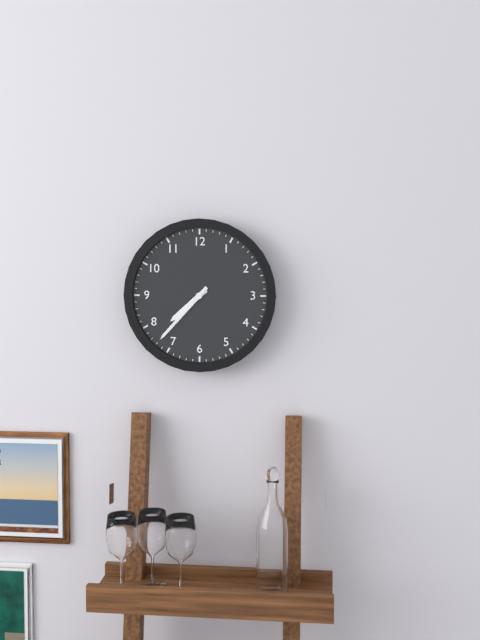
7:37
